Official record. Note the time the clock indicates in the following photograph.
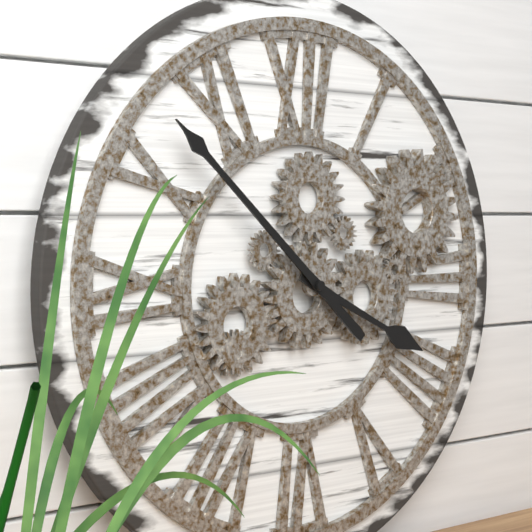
3:52
